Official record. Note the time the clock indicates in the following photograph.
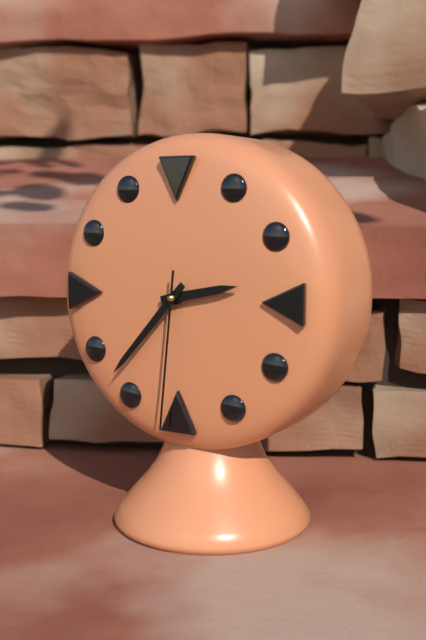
2:37:31
